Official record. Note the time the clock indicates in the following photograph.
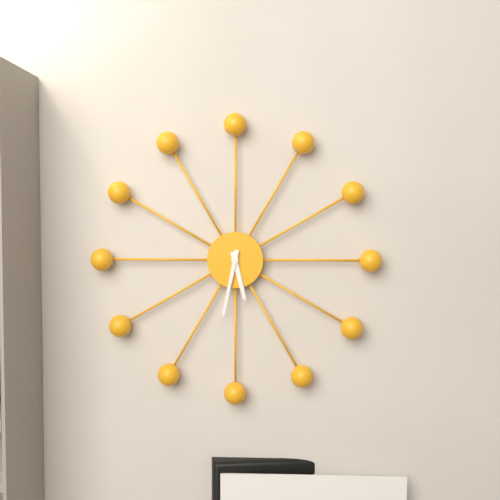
5:32
